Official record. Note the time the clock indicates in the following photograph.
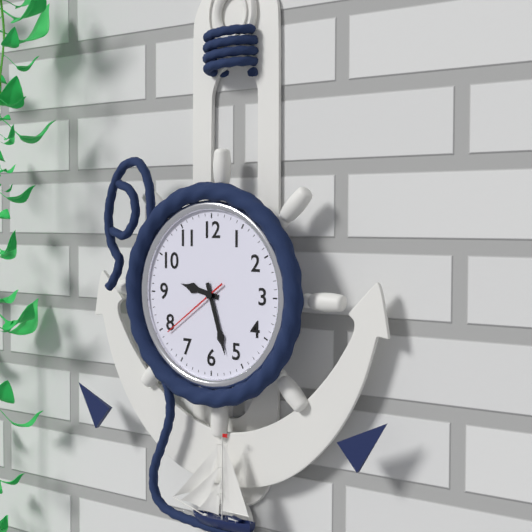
9:27:39
